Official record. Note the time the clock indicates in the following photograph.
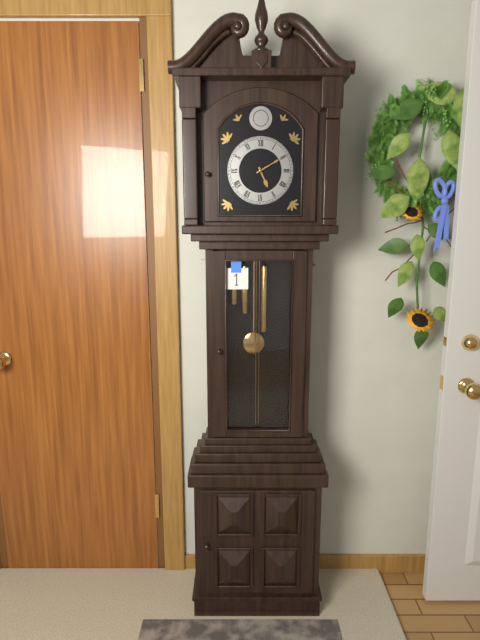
5:10
